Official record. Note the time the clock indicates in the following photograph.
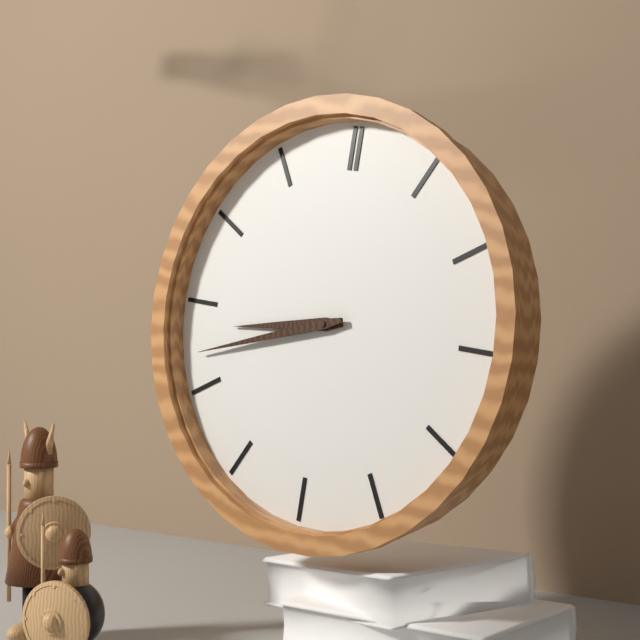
8:42
